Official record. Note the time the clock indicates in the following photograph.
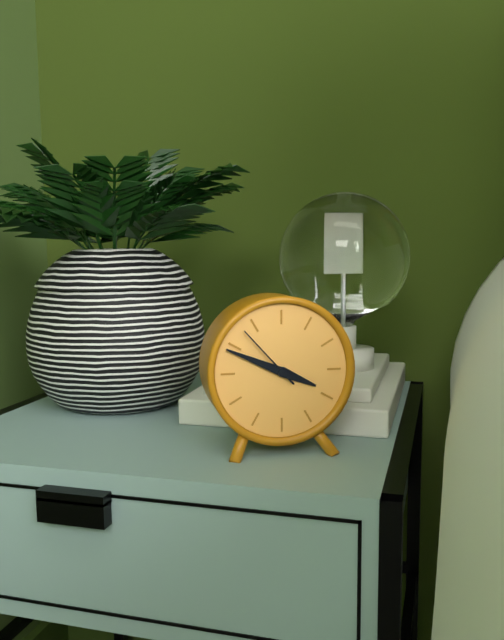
3:49:53
